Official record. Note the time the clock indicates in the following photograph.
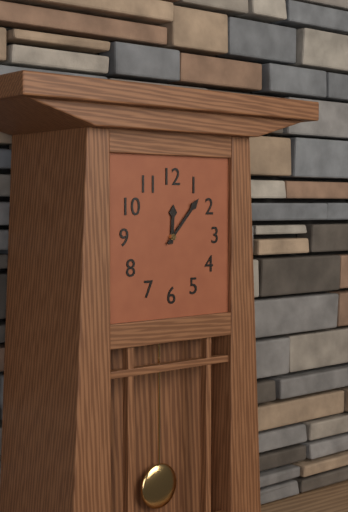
12:07
